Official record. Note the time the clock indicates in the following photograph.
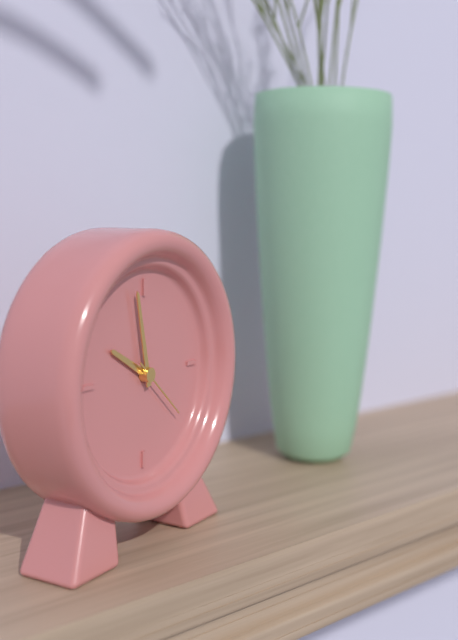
9:58:22
